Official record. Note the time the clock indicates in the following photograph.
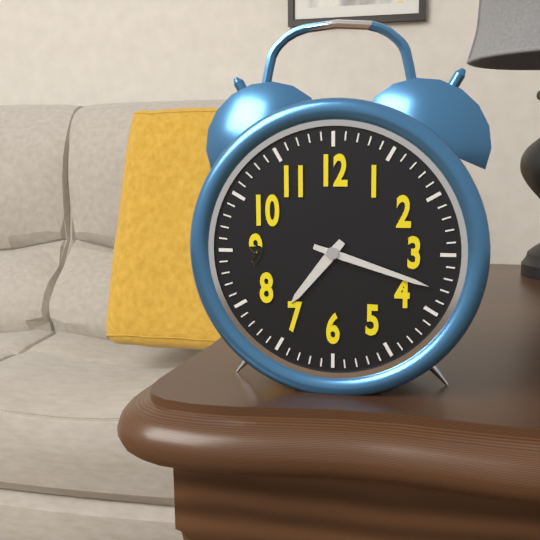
7:18
